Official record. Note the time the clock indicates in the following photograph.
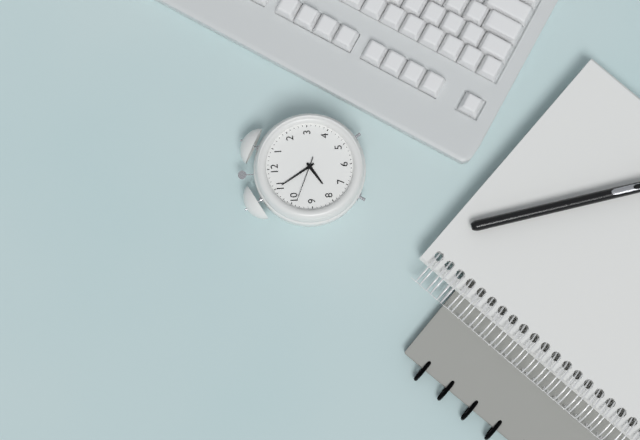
7:55
